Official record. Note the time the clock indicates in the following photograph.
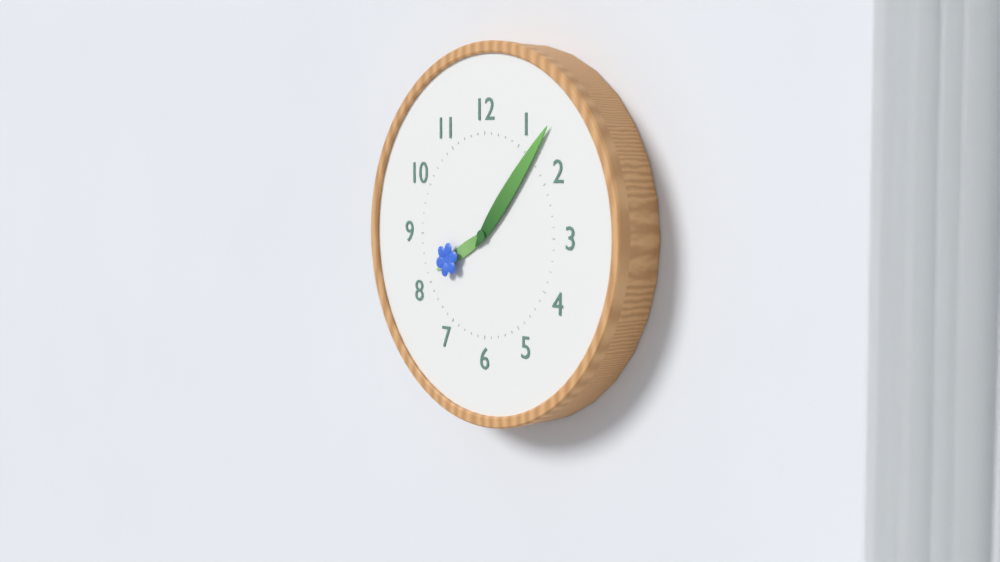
8:07
